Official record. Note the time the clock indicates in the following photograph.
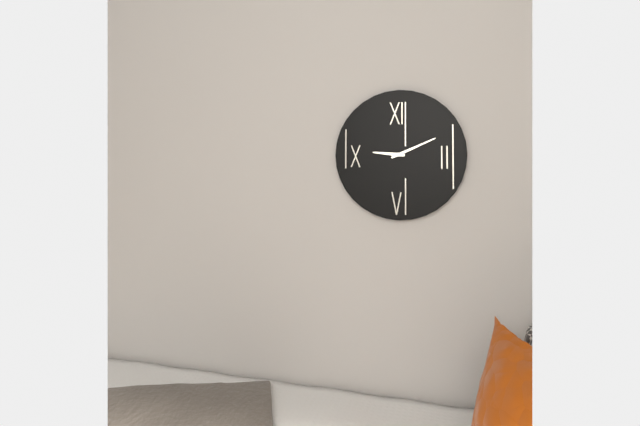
9:11
